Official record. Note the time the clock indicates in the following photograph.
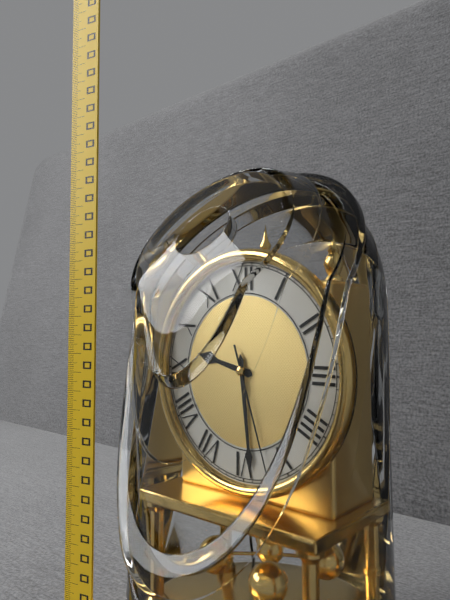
9:29:27
